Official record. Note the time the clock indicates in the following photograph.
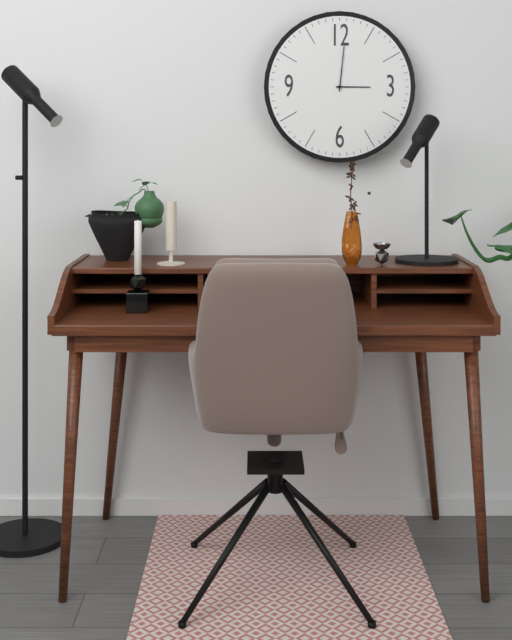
3:01
